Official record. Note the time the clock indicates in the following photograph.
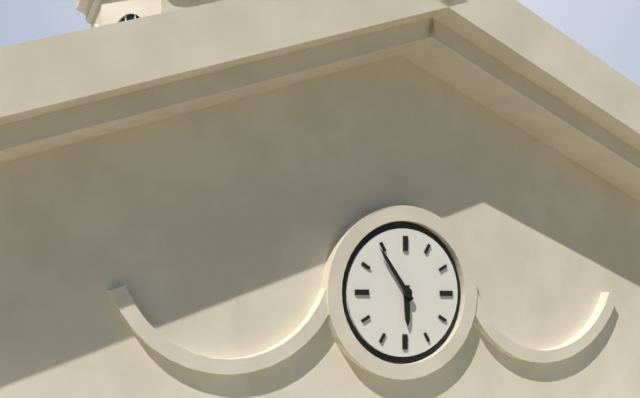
5:54
